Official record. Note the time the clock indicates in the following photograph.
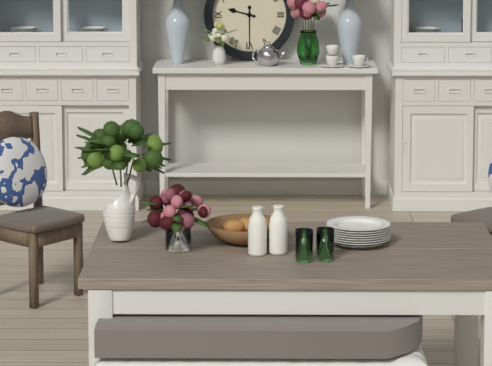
9:30
